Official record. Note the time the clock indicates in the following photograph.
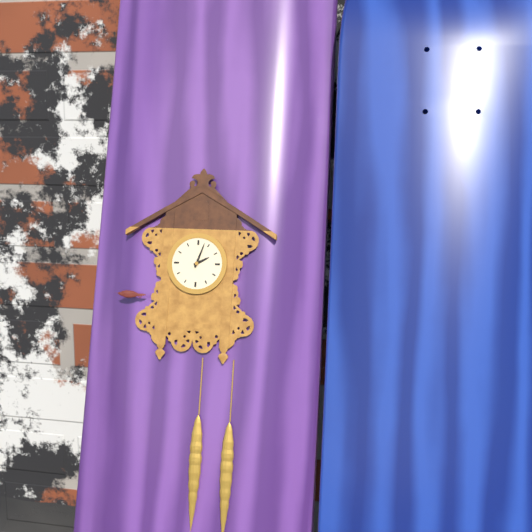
2:03
